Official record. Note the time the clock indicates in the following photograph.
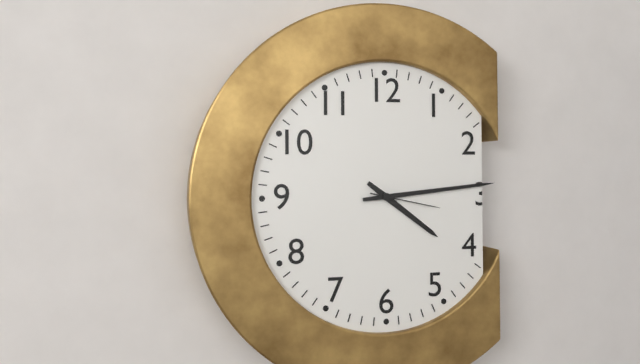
4:14:17
